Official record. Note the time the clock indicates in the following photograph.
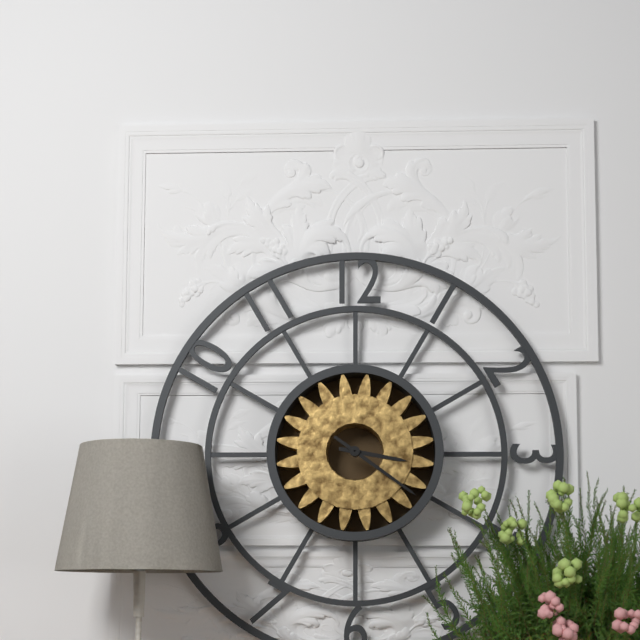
3:21
